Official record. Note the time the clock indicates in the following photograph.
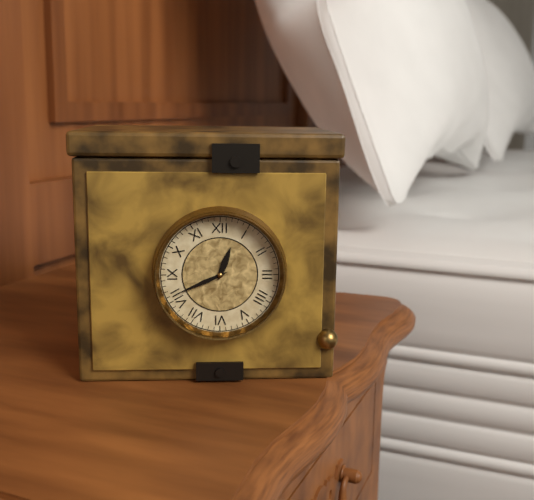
12:41
